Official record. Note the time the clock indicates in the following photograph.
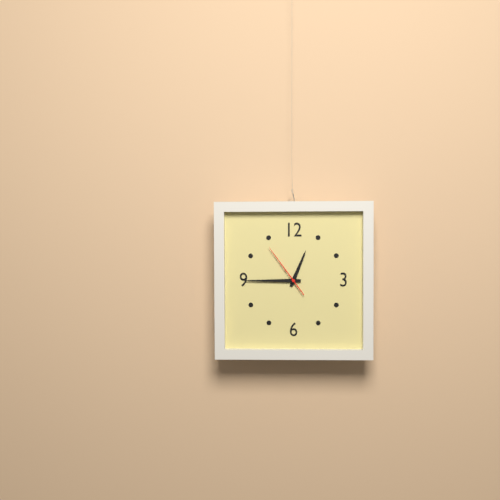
12:45:54
